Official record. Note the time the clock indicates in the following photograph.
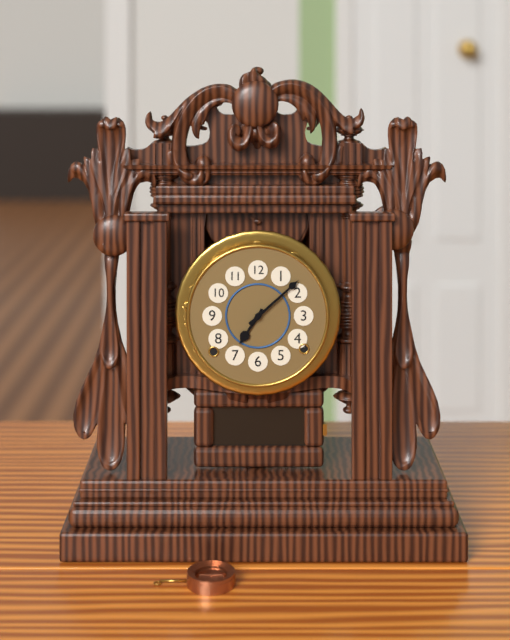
7:08
